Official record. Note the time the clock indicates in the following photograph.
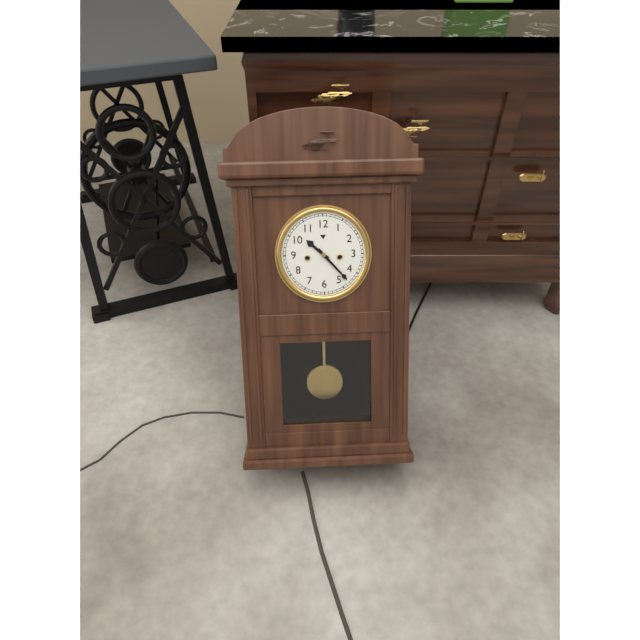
10:23
